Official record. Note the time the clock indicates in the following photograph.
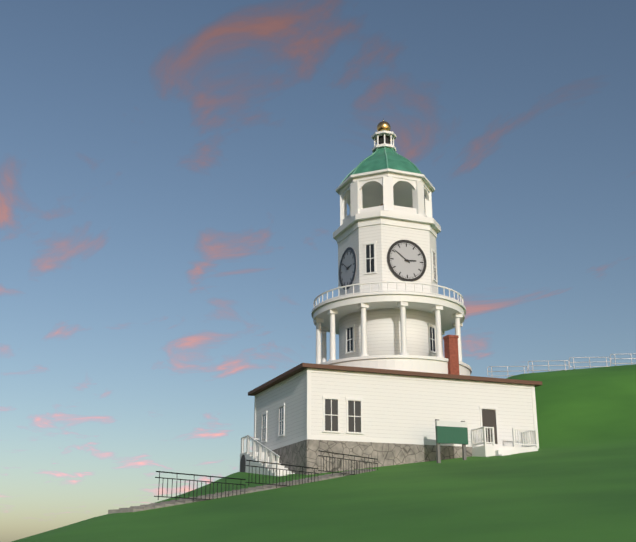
2:51
